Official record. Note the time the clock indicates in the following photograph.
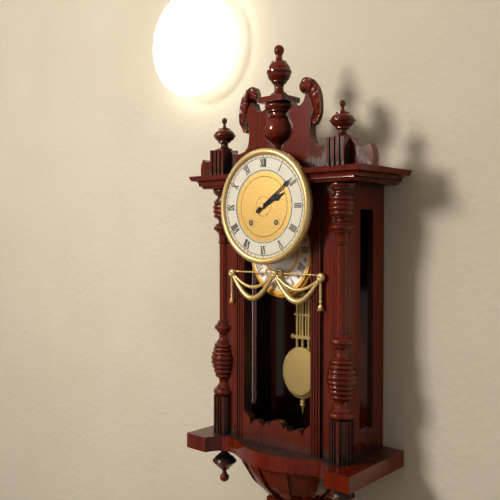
2:09
